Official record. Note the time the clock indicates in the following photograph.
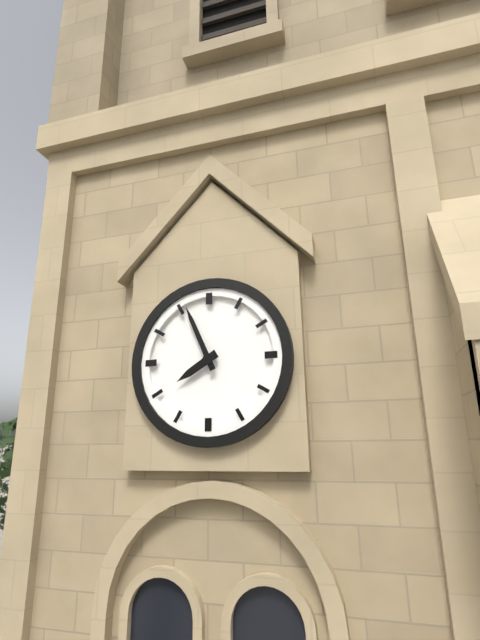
7:56
